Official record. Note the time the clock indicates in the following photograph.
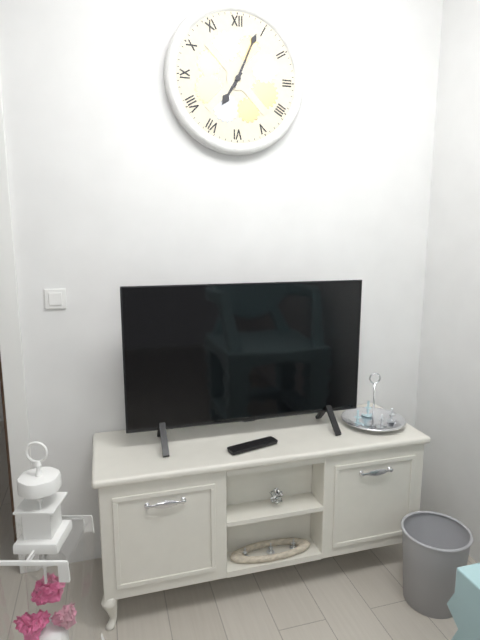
7:04
